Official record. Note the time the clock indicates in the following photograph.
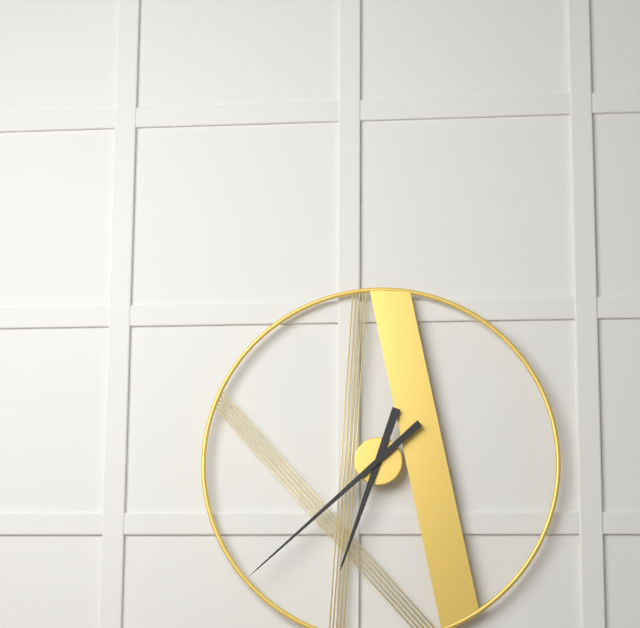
6:38
